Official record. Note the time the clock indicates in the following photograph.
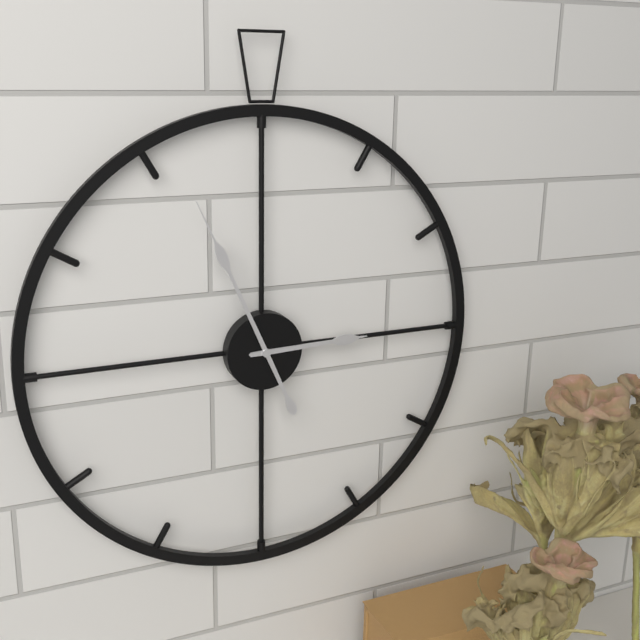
2:56
